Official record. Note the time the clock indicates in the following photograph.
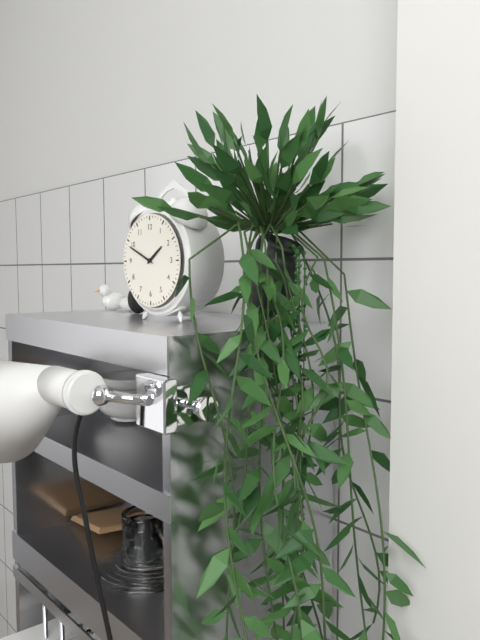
1:49
